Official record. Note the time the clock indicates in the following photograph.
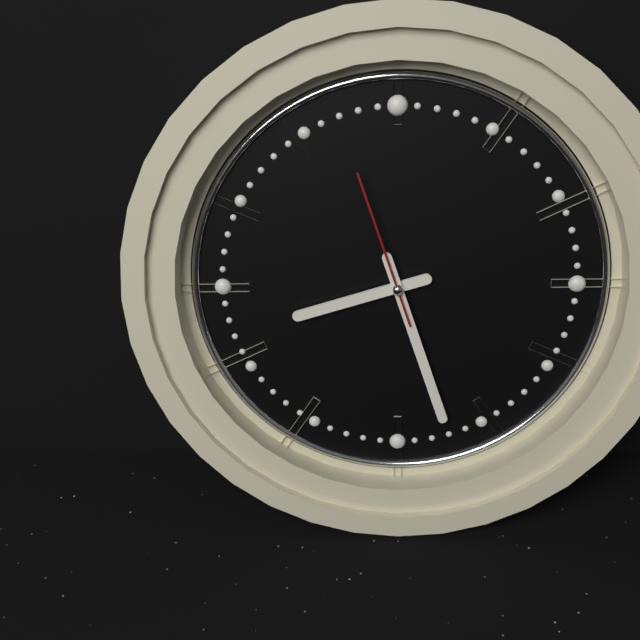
8:27:57
